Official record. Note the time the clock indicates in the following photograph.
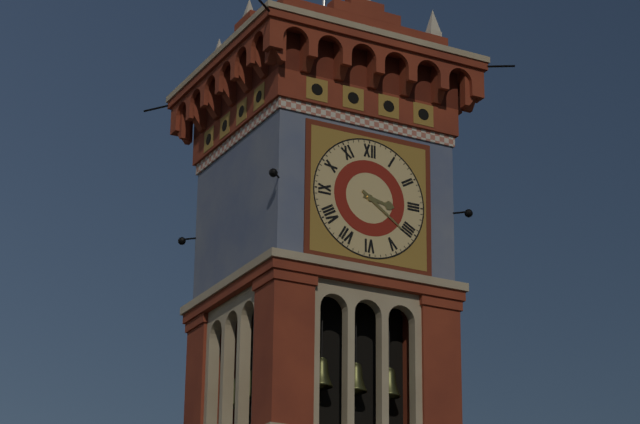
3:21
